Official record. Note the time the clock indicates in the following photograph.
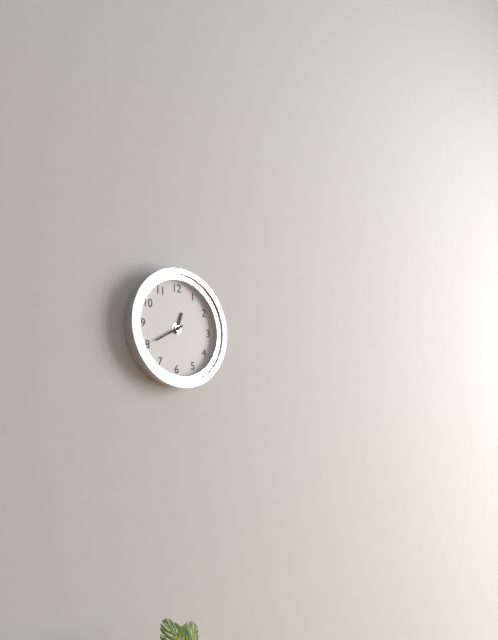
12:40
